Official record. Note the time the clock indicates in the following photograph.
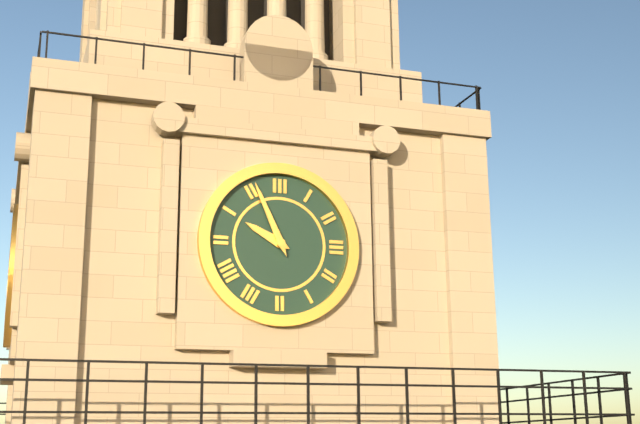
9:56
